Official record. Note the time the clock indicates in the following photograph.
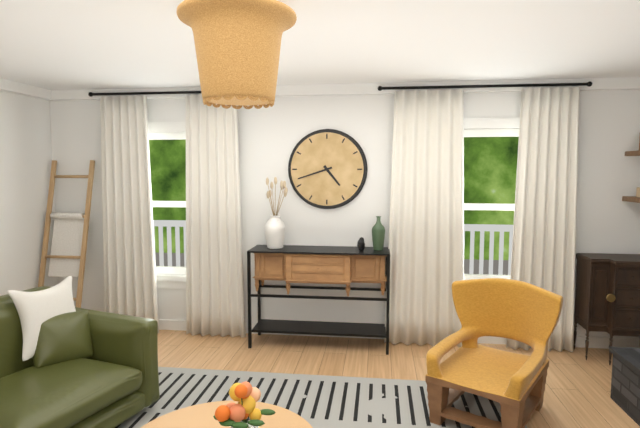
4:42
